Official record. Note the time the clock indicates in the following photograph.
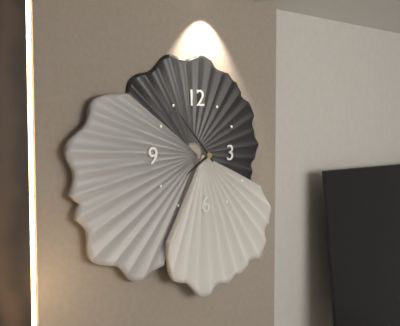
7:53
